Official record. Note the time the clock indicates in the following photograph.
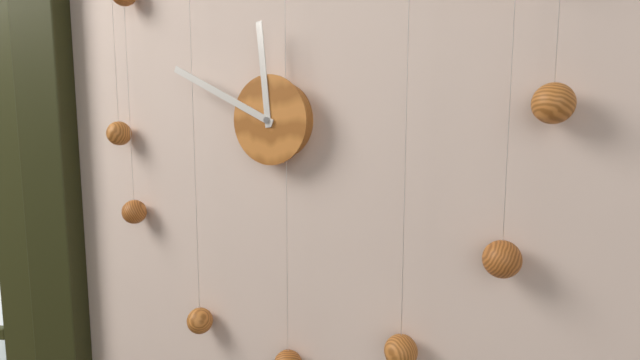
11:49
